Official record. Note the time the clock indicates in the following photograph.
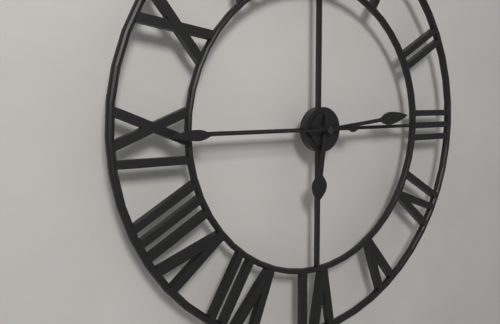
6:14:45
